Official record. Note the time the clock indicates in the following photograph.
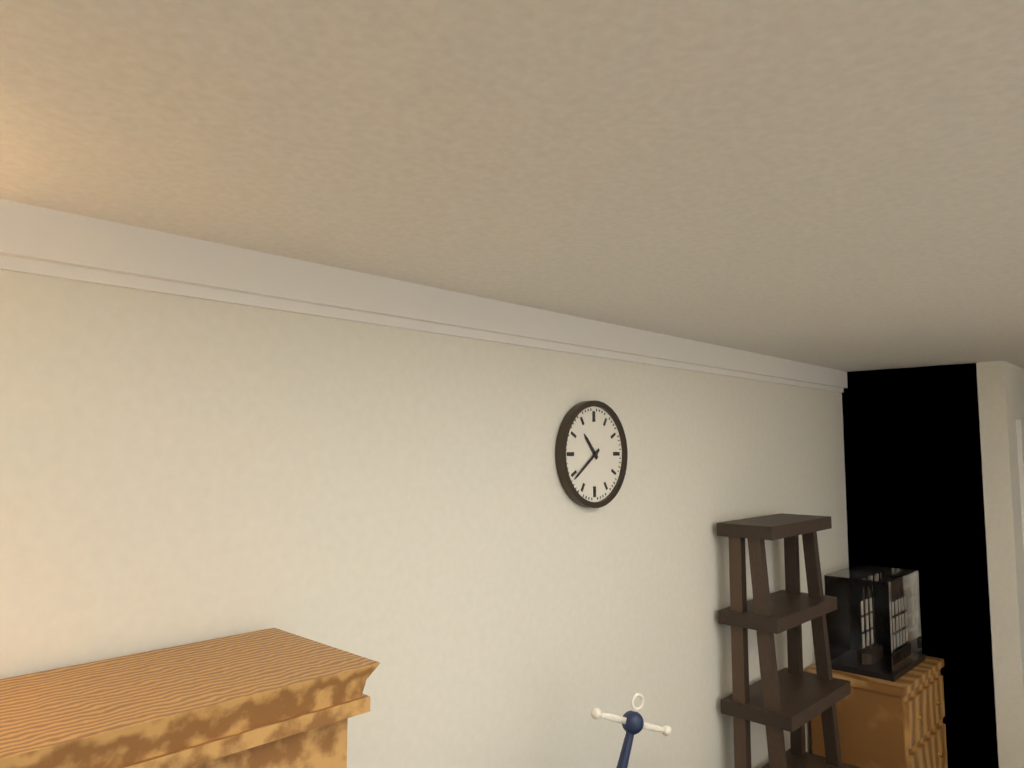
10:39
